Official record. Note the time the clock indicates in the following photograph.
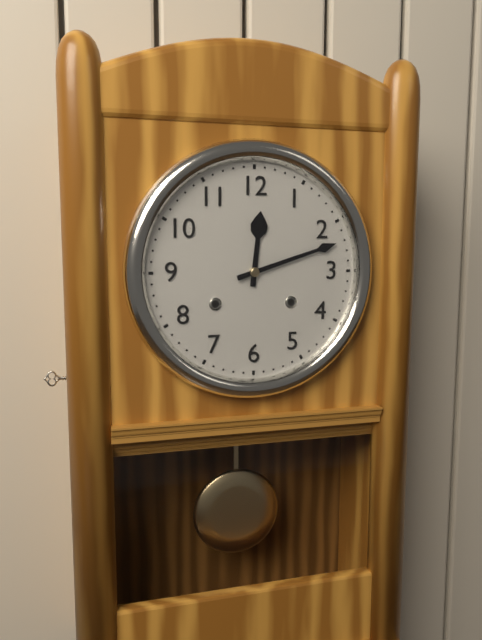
12:12
